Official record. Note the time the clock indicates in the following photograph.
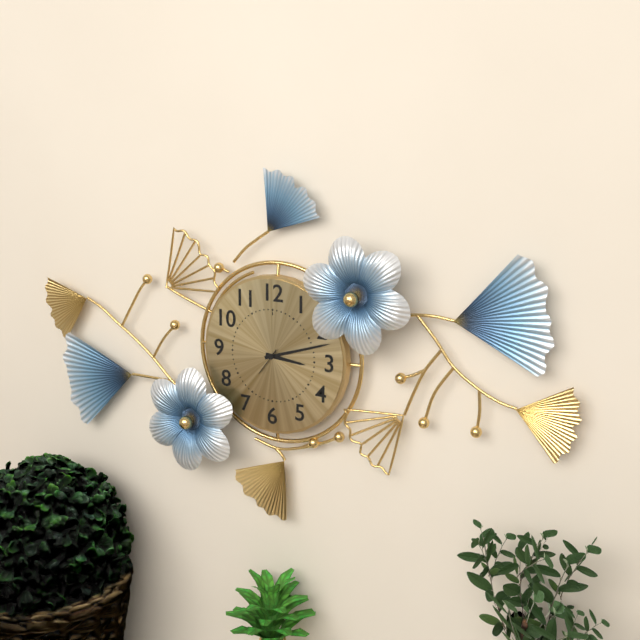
3:12
